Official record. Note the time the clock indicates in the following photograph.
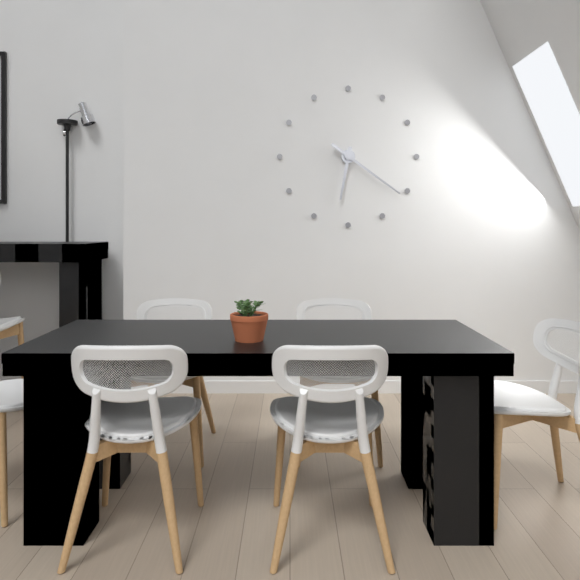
6:21
